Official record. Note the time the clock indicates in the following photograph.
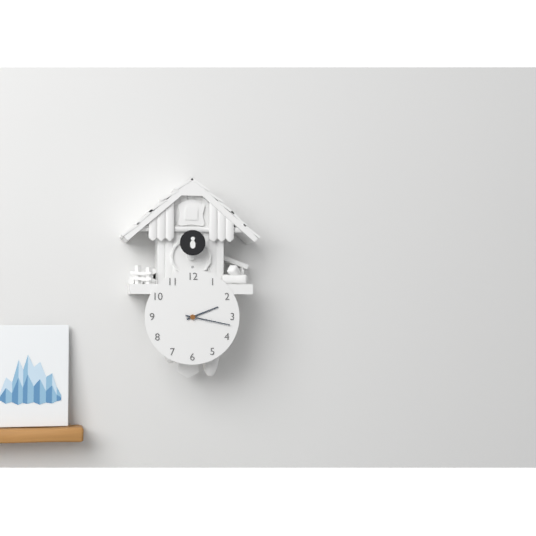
2:17
